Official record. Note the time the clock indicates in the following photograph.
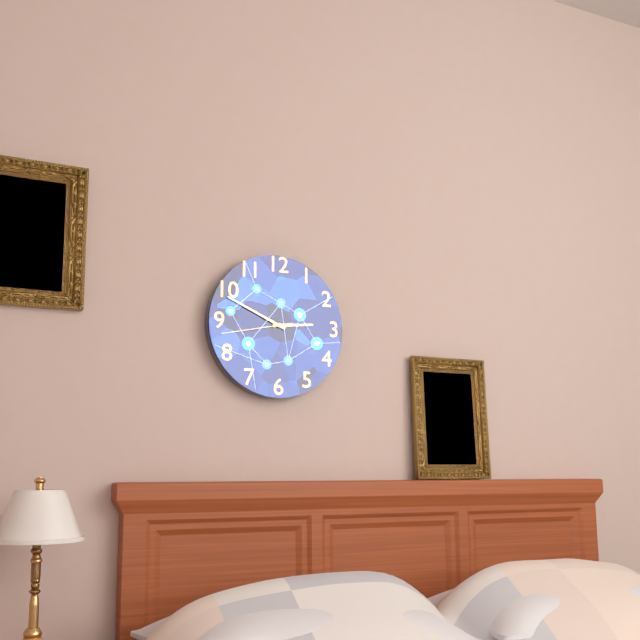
2:49:43
